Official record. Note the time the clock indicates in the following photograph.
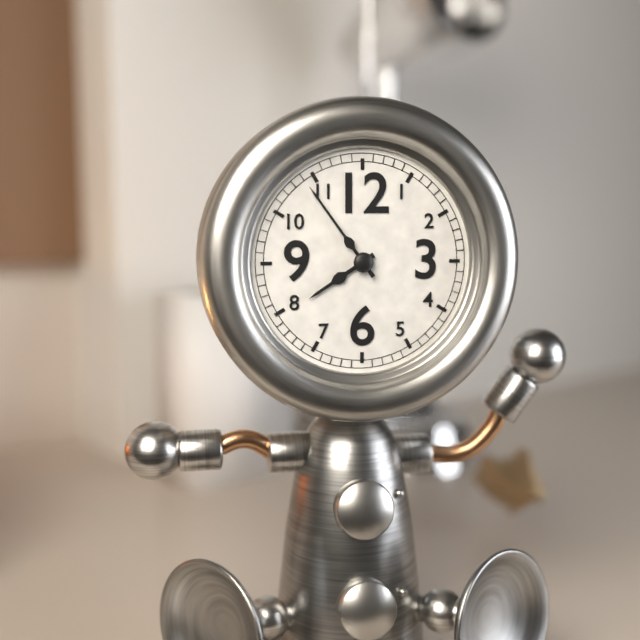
7:54
